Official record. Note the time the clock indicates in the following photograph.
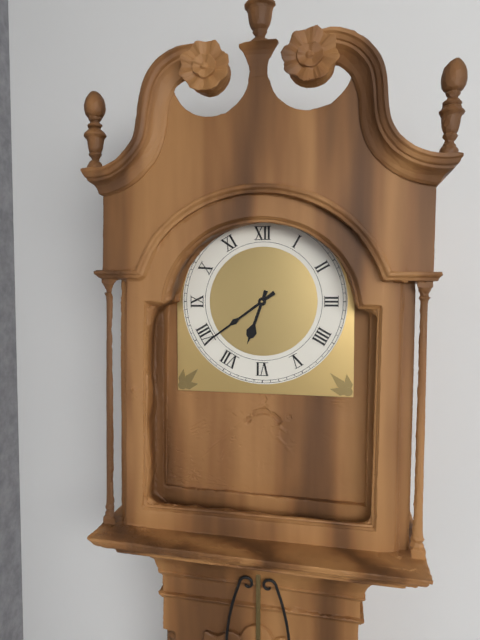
6:39
